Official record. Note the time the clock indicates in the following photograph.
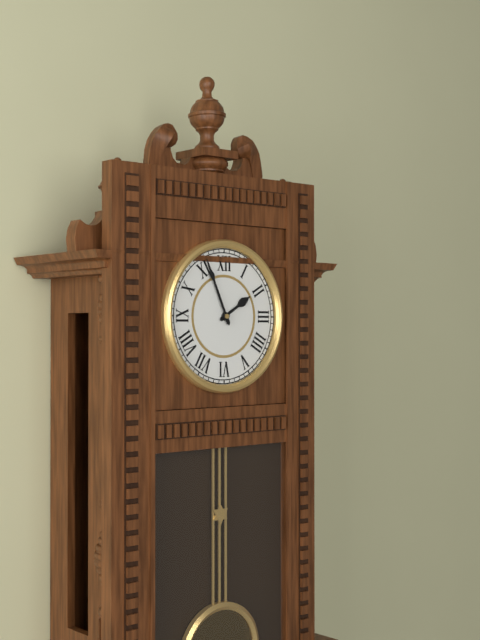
1:56
